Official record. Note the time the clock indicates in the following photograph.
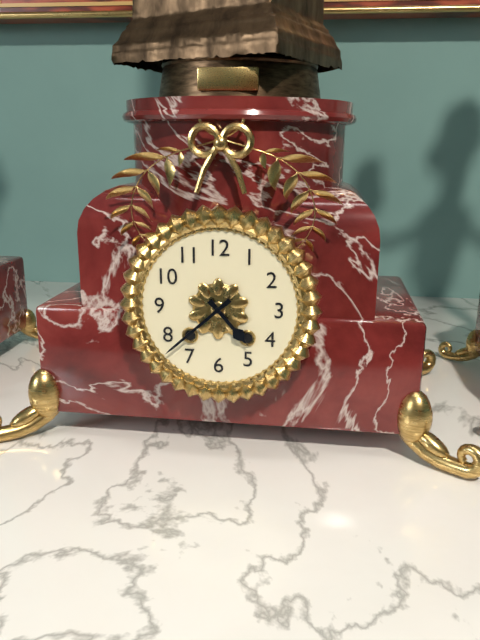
4:38
